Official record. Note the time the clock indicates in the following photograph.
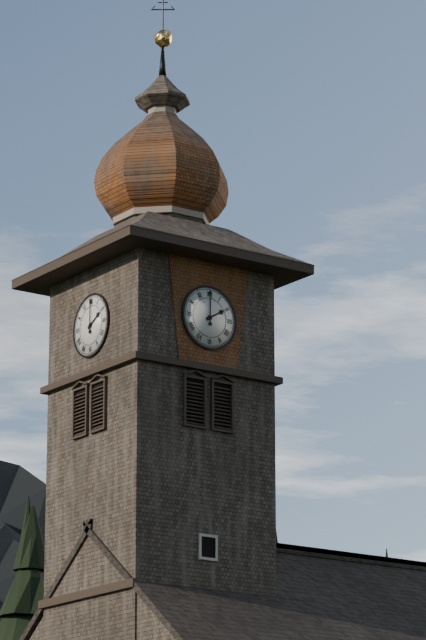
2:00
